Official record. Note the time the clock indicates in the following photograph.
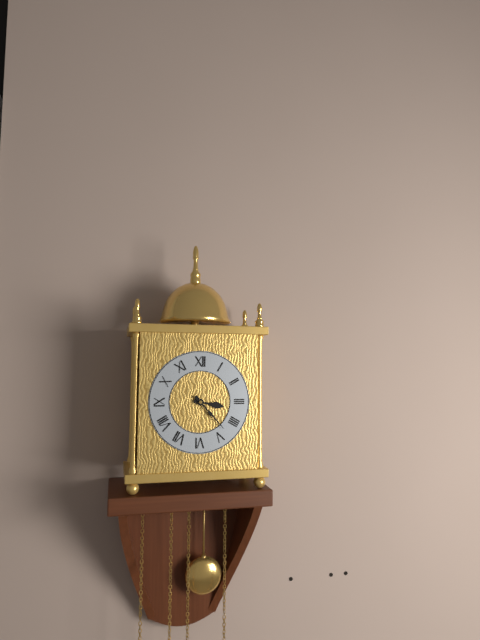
3:23
